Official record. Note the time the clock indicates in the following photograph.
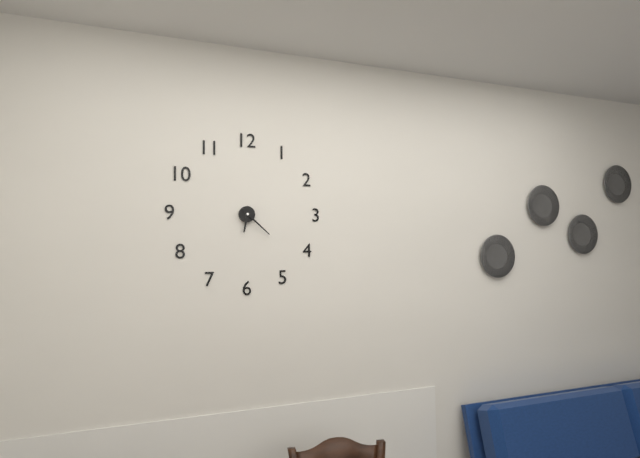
6:22
